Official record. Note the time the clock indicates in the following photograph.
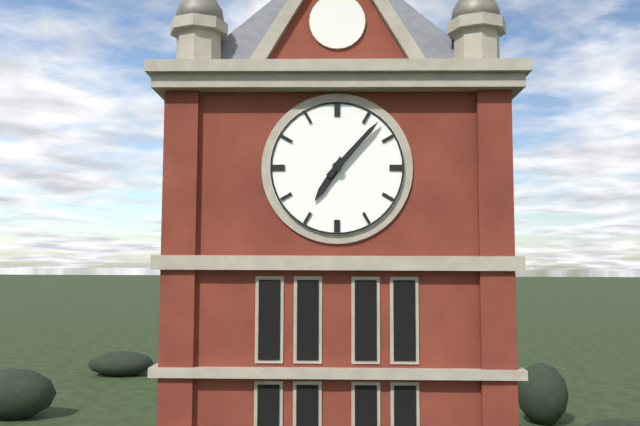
7:07
